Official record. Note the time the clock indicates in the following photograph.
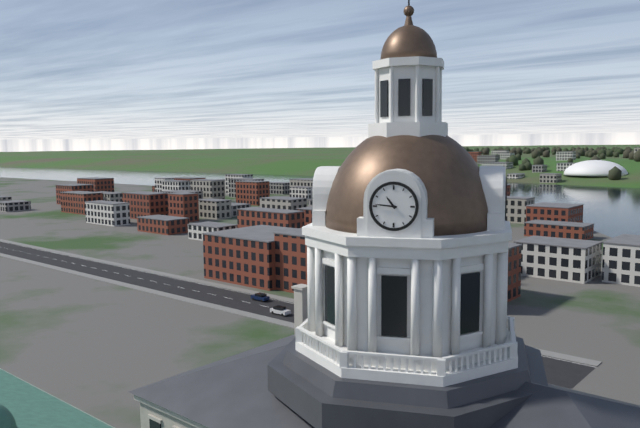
10:46
